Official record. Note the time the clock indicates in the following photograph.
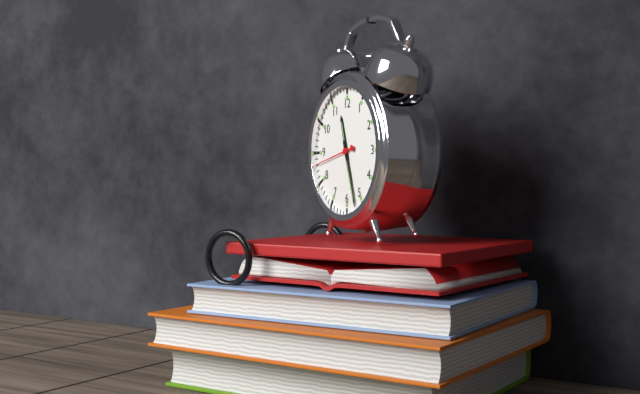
11:27
